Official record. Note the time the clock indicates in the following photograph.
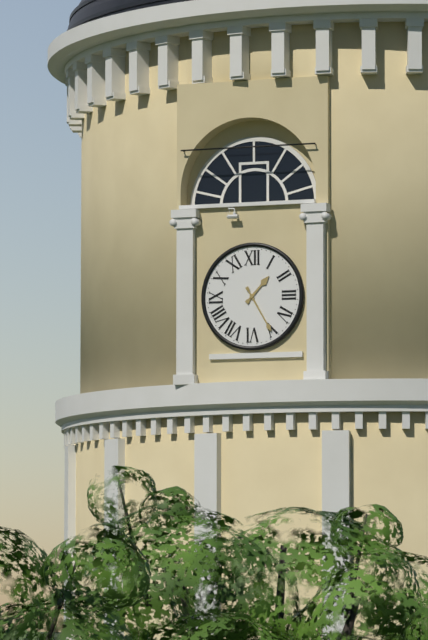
1:25
